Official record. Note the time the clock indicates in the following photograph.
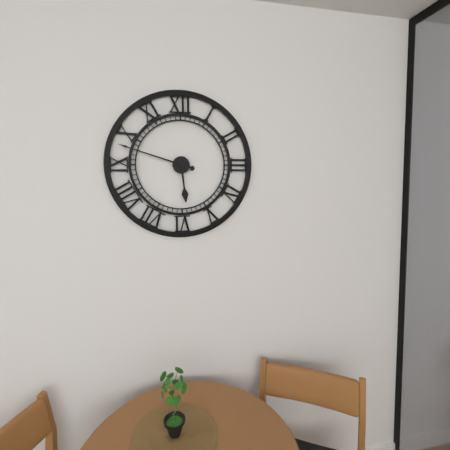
5:48
